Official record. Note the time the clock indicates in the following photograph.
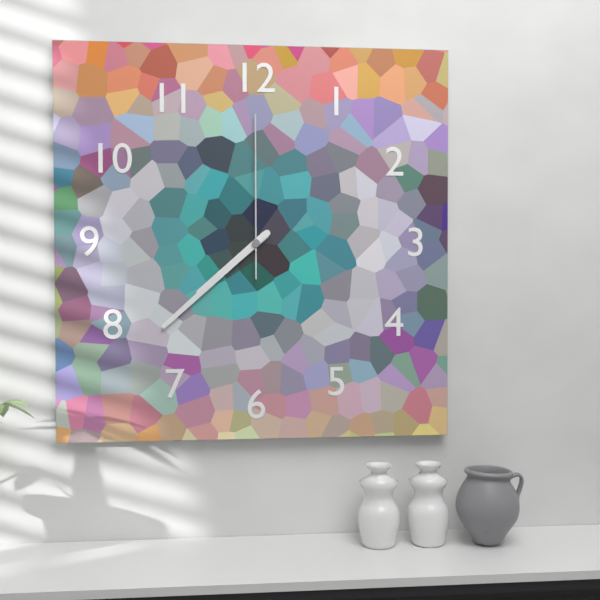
7:38:00
